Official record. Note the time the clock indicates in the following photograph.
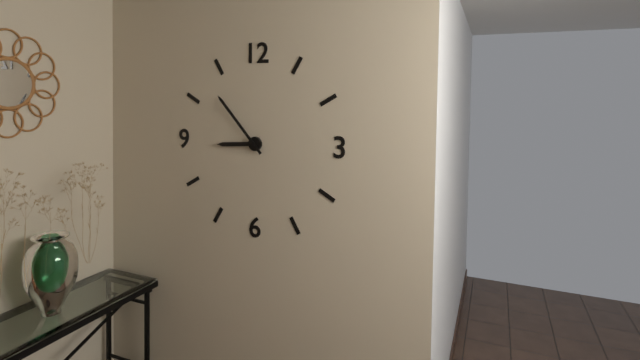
8:53
